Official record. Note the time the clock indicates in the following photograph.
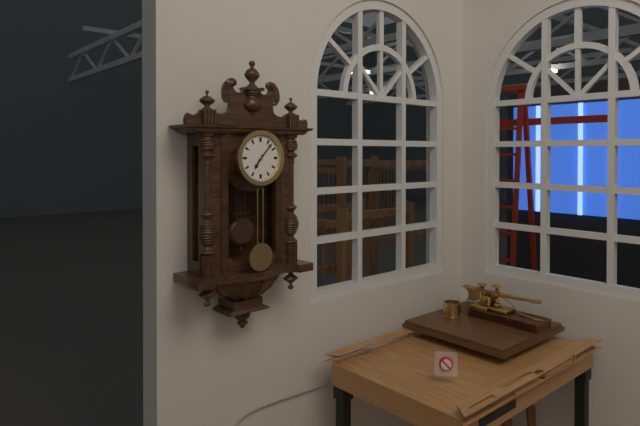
7:07
